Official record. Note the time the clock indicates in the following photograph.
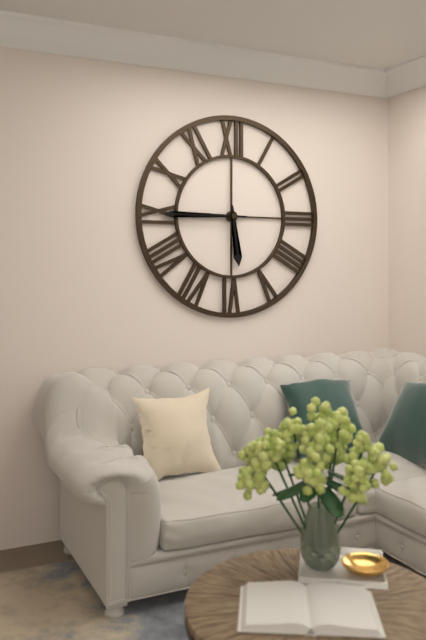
5:45
